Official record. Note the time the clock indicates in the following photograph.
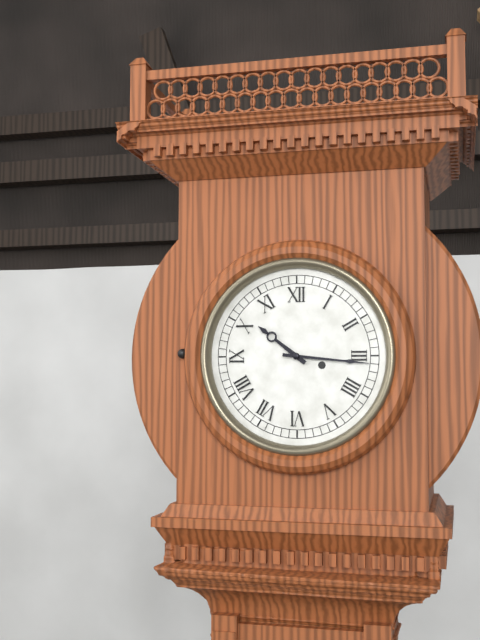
10:16
